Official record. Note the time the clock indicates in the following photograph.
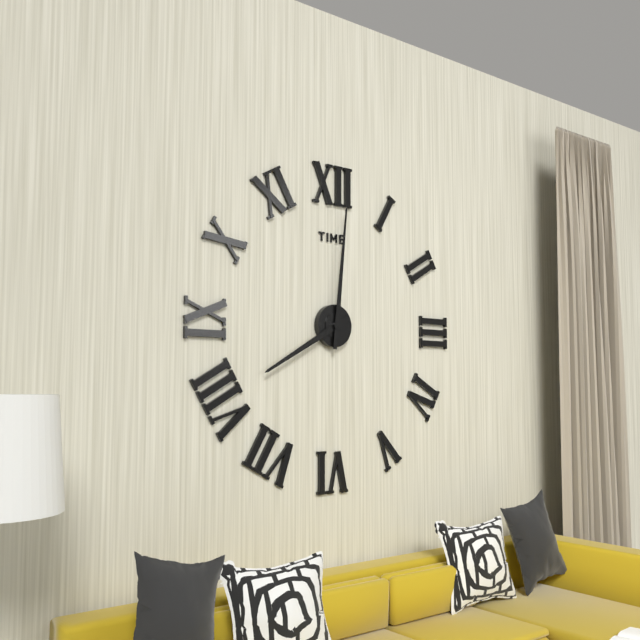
8:01
